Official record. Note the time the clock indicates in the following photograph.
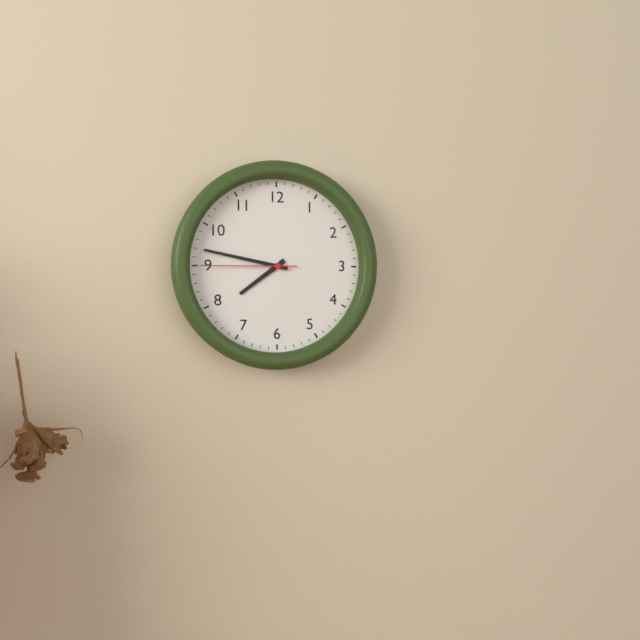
7:47:45
